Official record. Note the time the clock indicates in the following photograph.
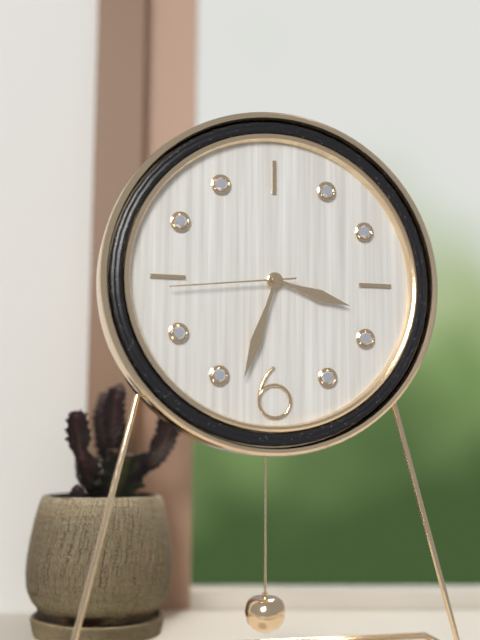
3:33:44
